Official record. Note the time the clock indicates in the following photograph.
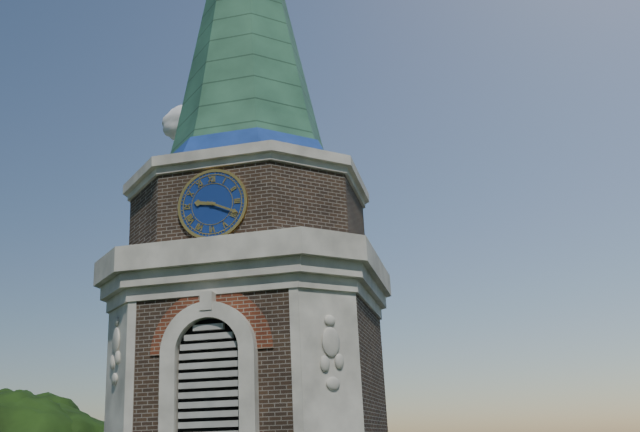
9:19
